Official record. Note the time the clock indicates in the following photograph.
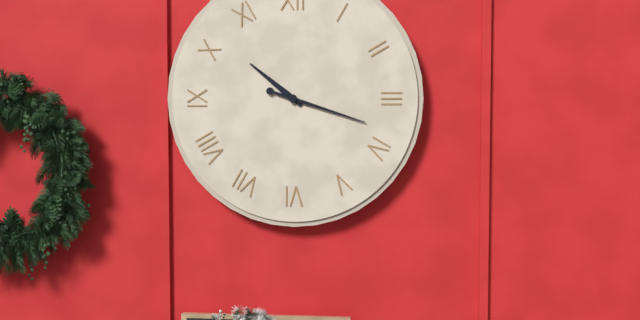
10:18
